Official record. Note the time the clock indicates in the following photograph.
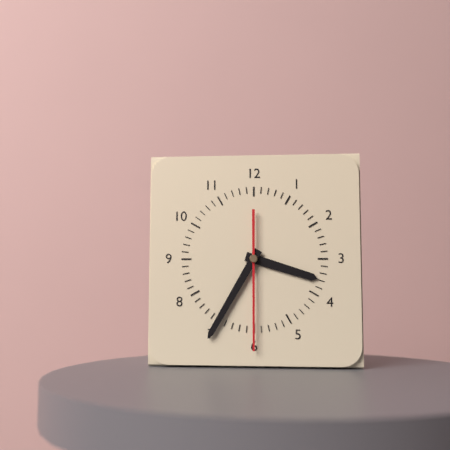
3:35:30
